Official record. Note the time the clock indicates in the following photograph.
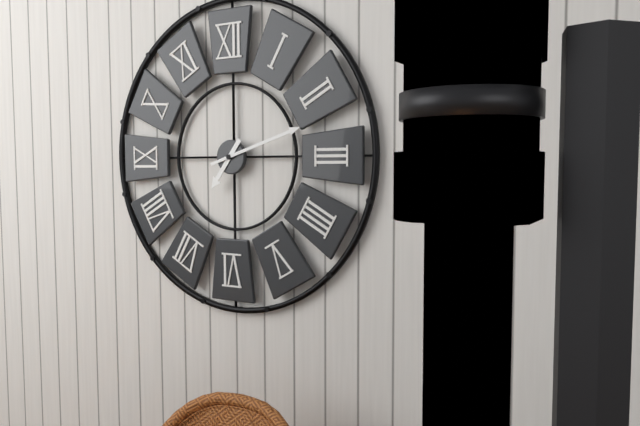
7:12
